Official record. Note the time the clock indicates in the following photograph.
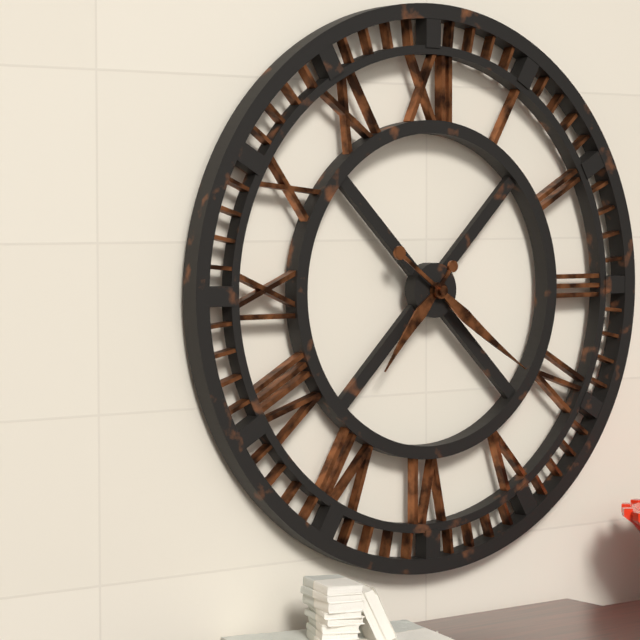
7:21
